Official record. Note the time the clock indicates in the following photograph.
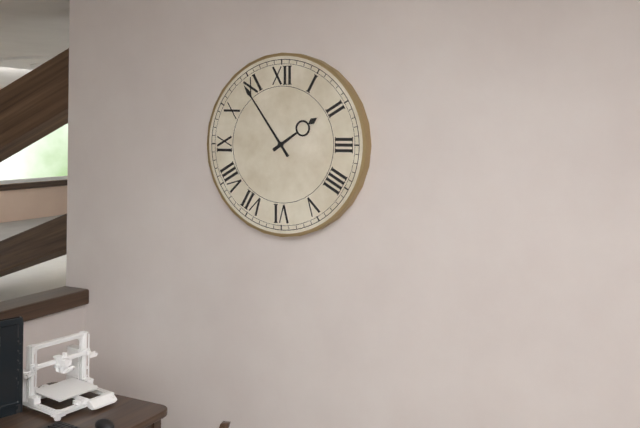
1:54
